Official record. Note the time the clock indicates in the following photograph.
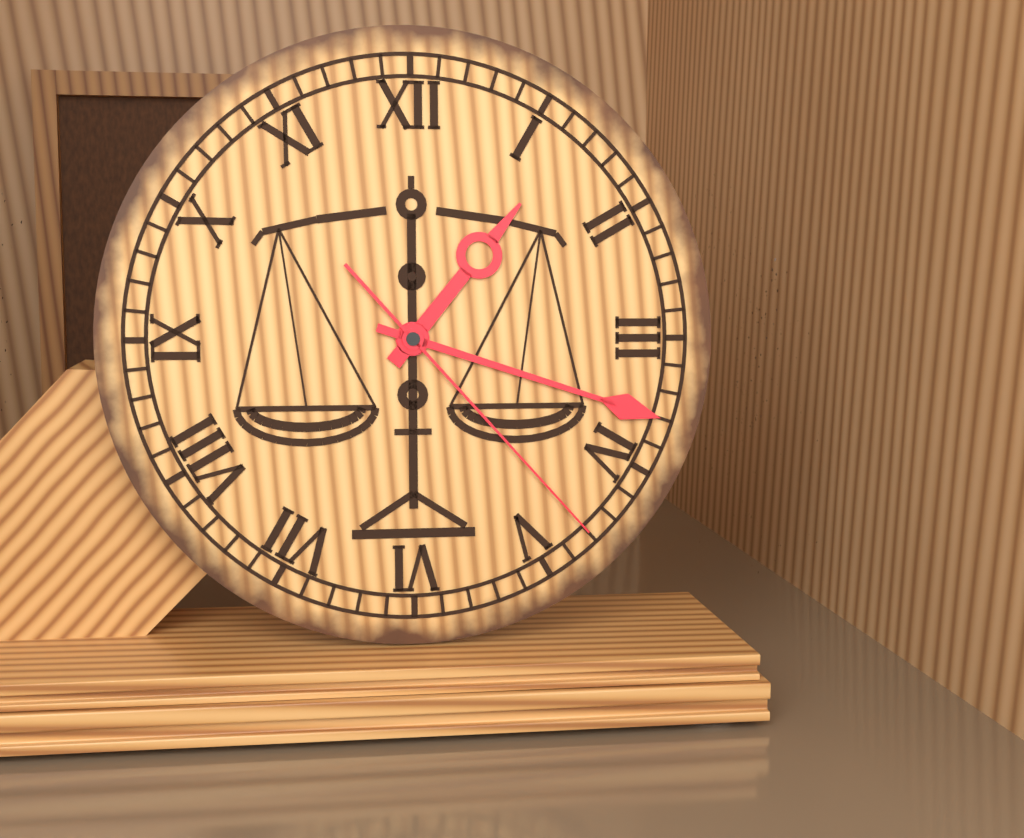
1:18:23
